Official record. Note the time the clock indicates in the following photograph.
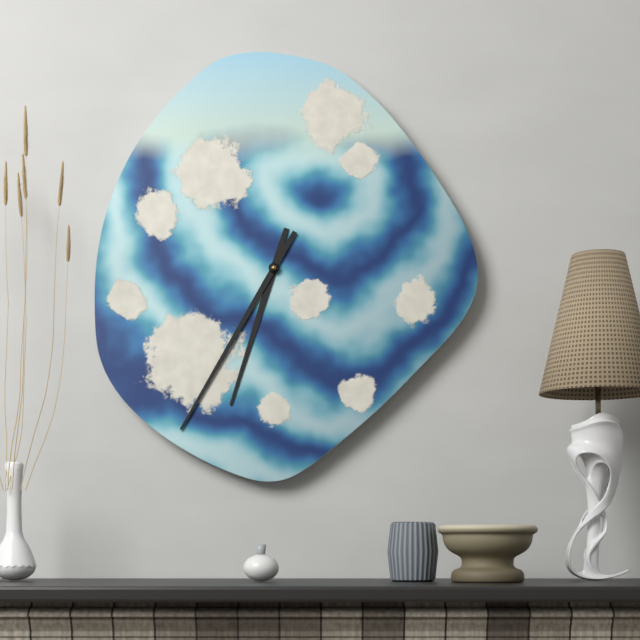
6:35
